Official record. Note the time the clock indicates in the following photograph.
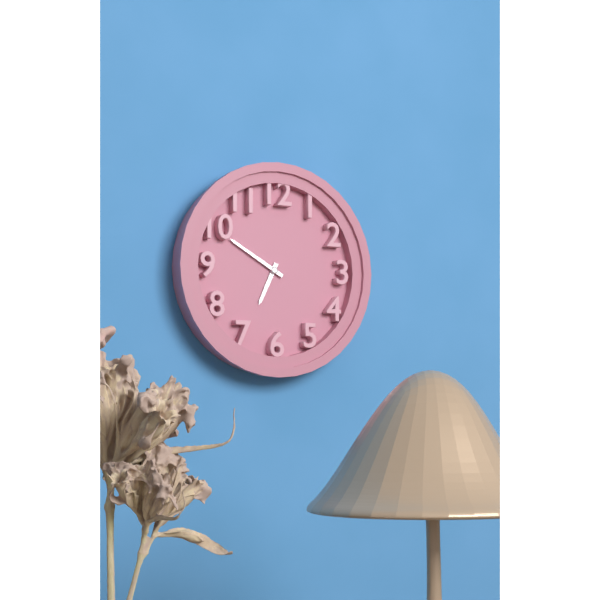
6:50
